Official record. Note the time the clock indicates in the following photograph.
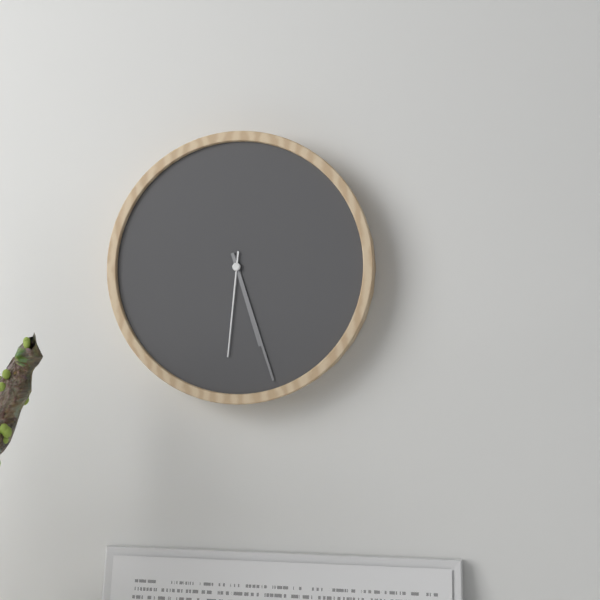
5:27:31
